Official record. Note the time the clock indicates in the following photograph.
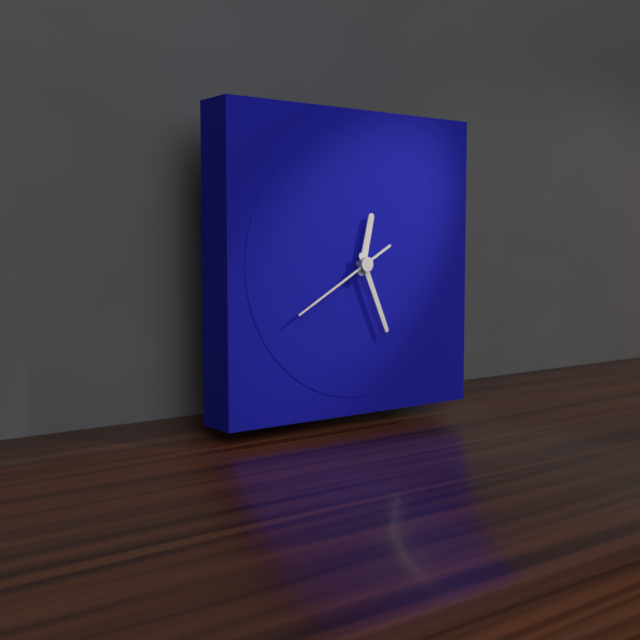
12:26:40
